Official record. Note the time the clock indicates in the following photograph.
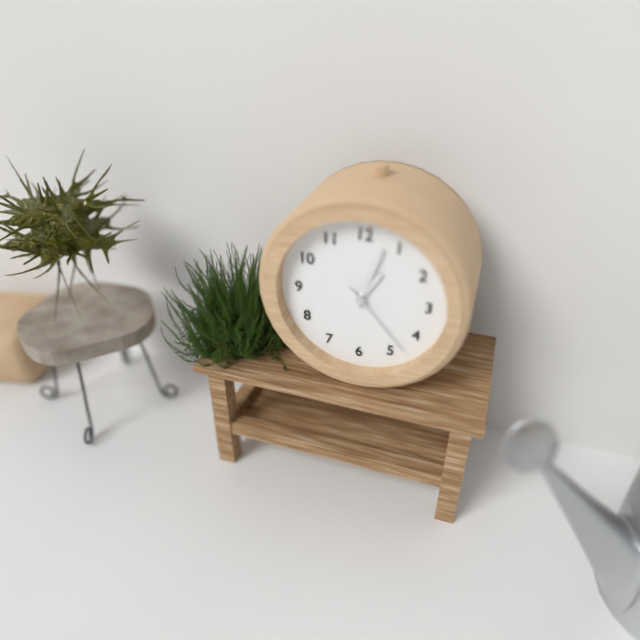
1:03:23
